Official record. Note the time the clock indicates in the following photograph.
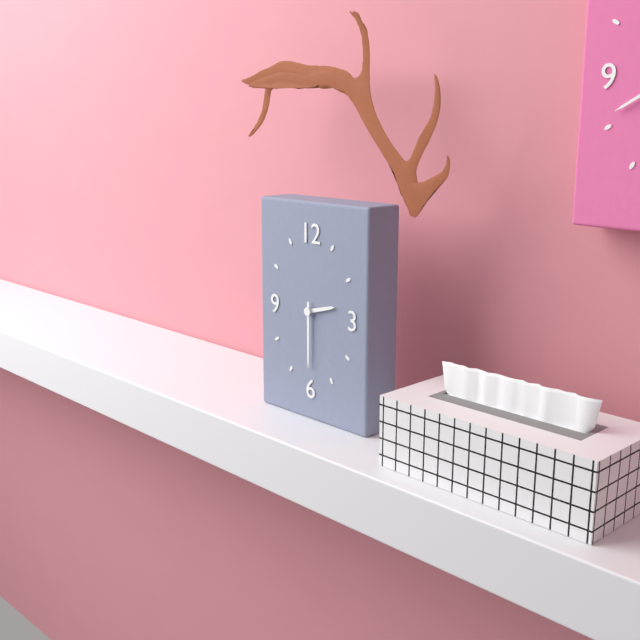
2:30
